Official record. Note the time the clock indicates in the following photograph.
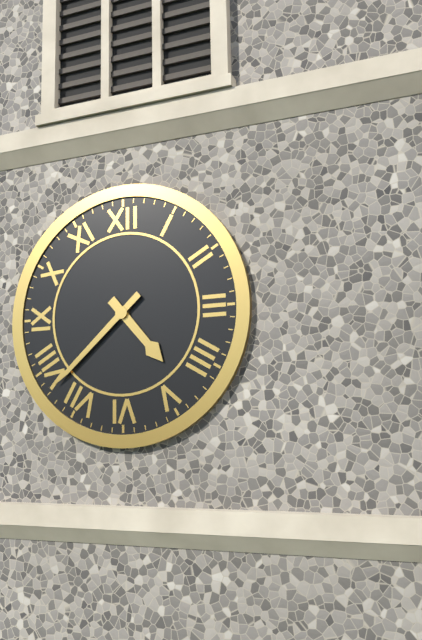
4:38
